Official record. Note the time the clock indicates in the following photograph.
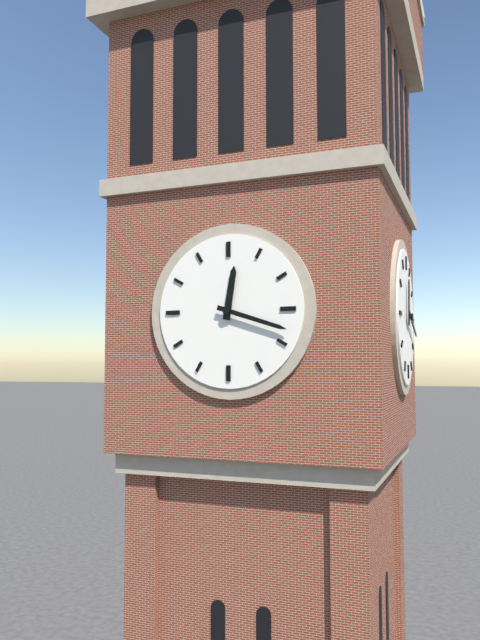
12:18
